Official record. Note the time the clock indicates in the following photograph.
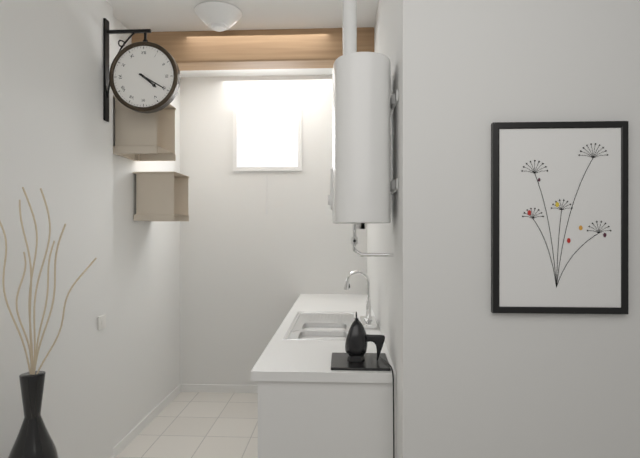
4:20
